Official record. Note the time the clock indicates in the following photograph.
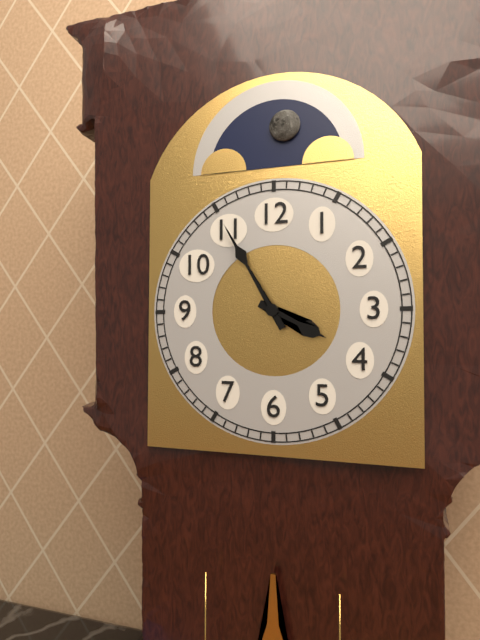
3:55
